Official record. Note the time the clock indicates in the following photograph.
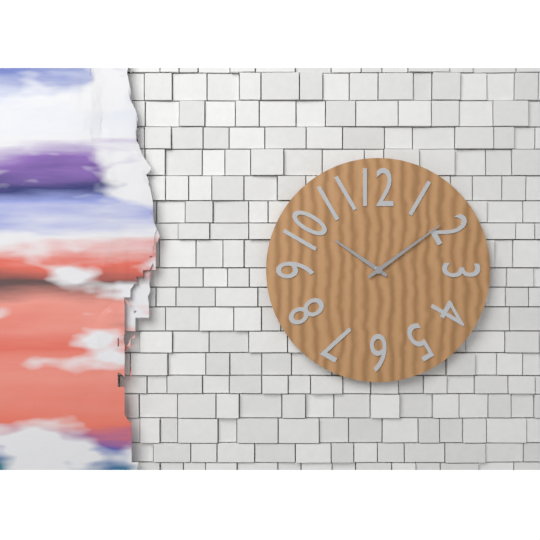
10:09
